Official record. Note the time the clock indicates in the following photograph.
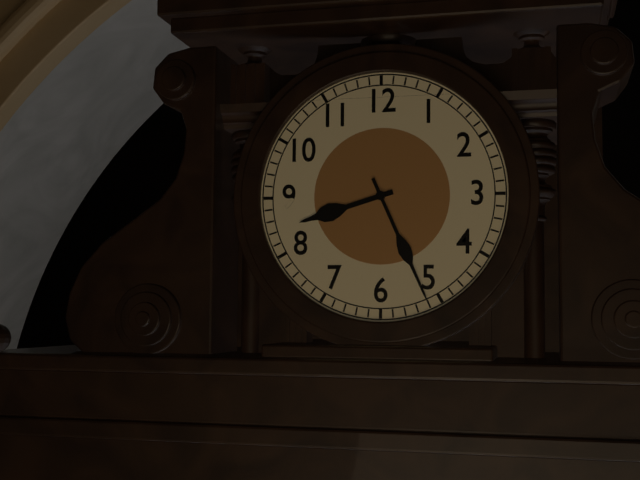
8:26
